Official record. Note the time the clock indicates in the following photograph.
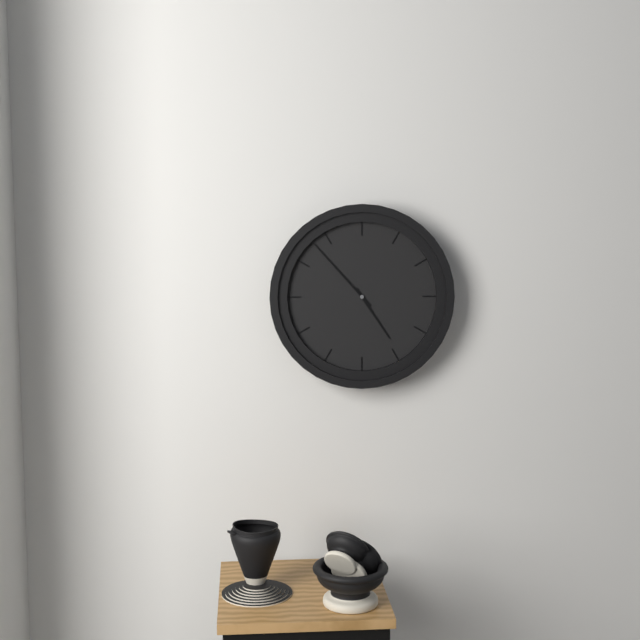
4:53
